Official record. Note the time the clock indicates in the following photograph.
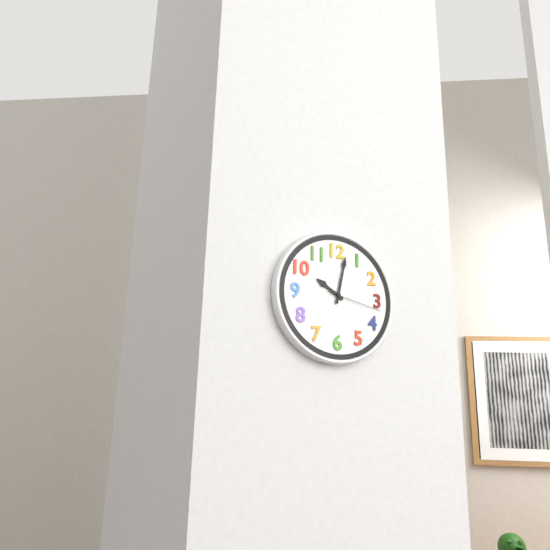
10:02:17
